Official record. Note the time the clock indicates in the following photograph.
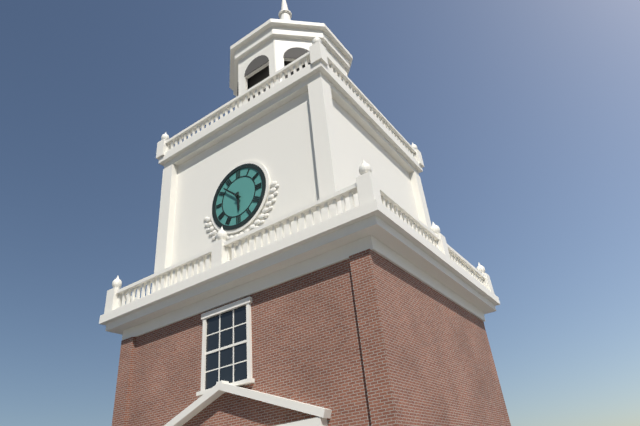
5:52
